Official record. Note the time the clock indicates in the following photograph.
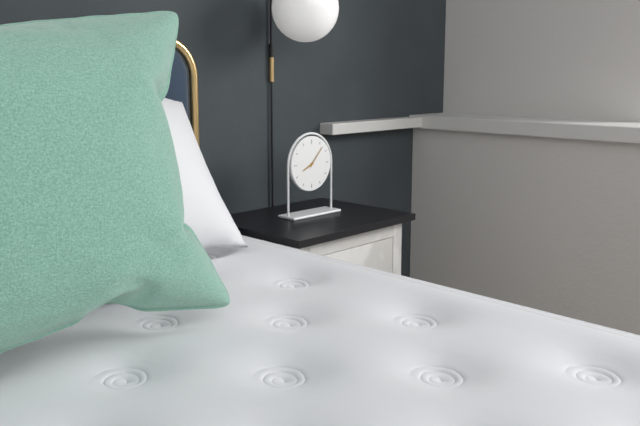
8:07
